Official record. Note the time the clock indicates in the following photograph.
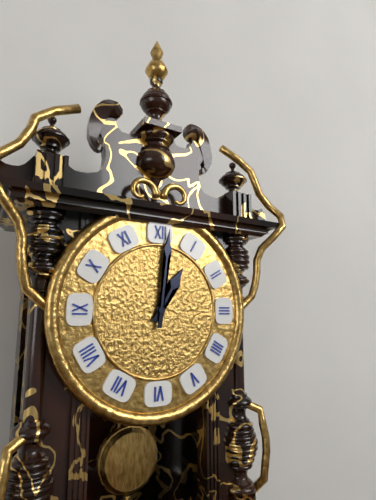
1:01
